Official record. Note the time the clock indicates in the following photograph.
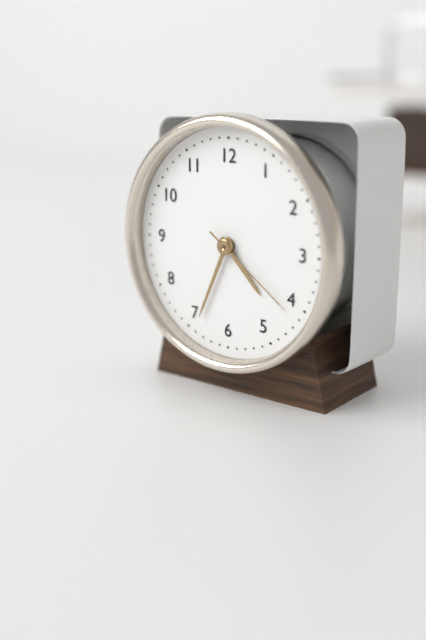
4:34:21
